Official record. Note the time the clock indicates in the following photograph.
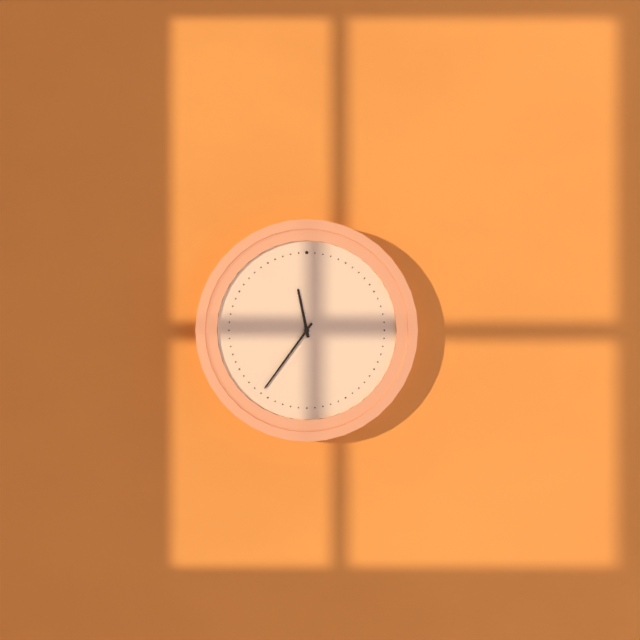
11:36
